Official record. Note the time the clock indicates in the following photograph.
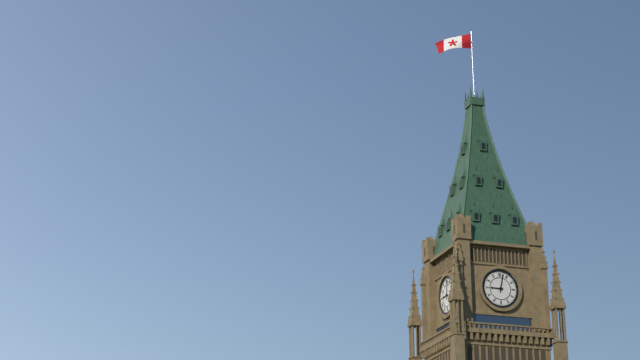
9:02
